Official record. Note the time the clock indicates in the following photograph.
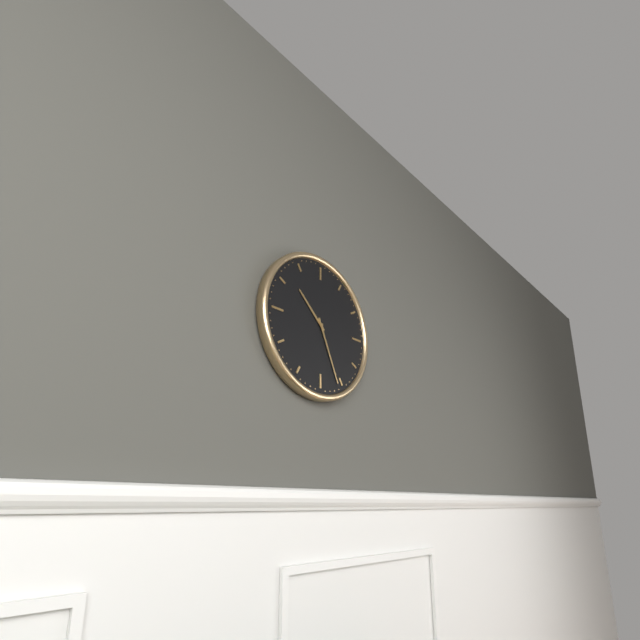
10:26
